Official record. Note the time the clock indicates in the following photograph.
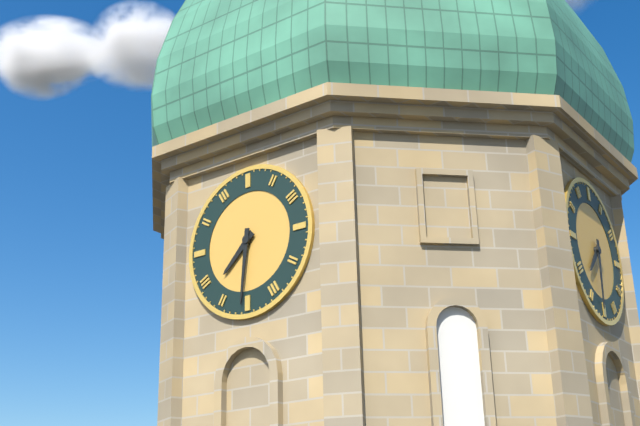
7:31
